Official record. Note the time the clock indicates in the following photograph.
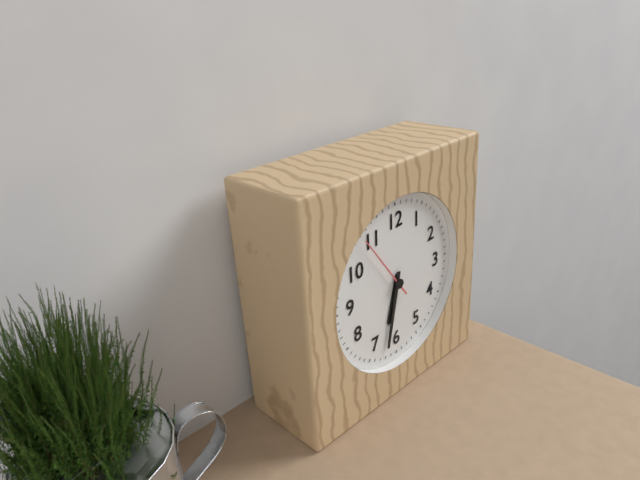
6:32:54
